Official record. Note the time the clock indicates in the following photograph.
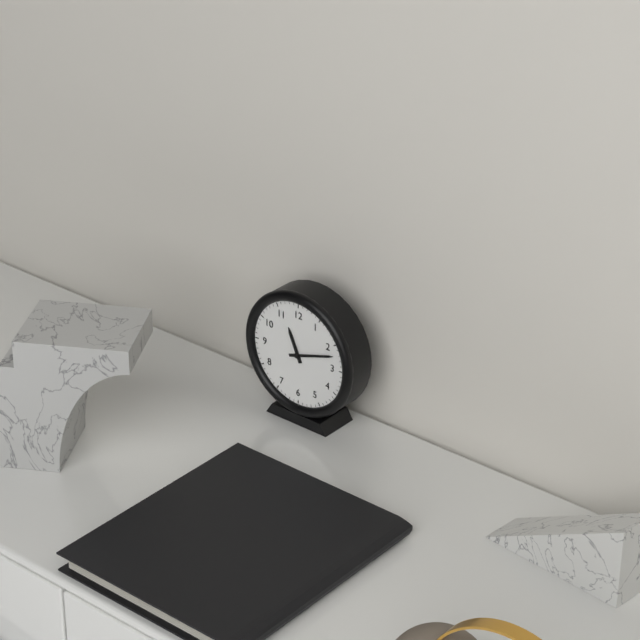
11:12
